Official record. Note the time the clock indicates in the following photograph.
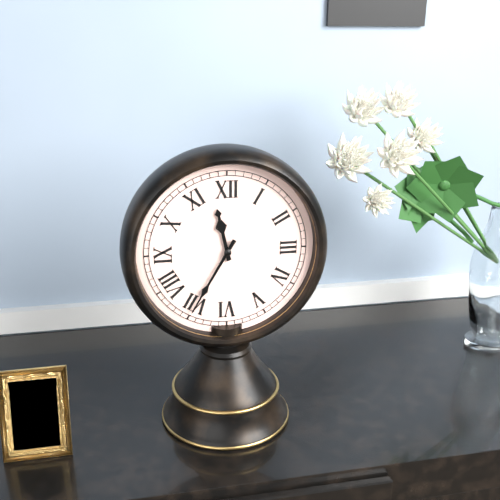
11:35
